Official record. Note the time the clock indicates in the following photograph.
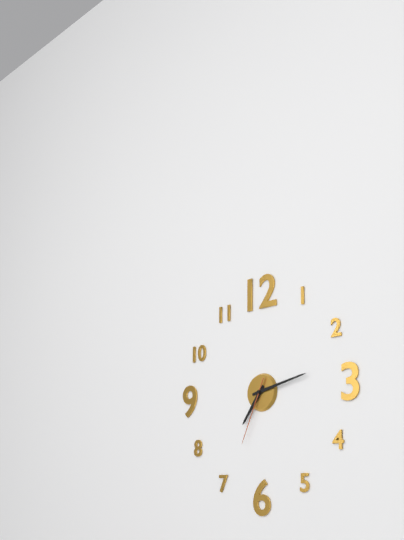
7:13:34
